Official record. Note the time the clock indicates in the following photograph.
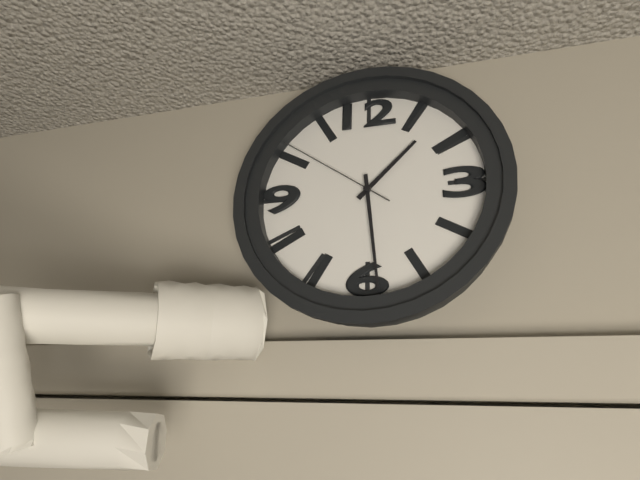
1:29:51
